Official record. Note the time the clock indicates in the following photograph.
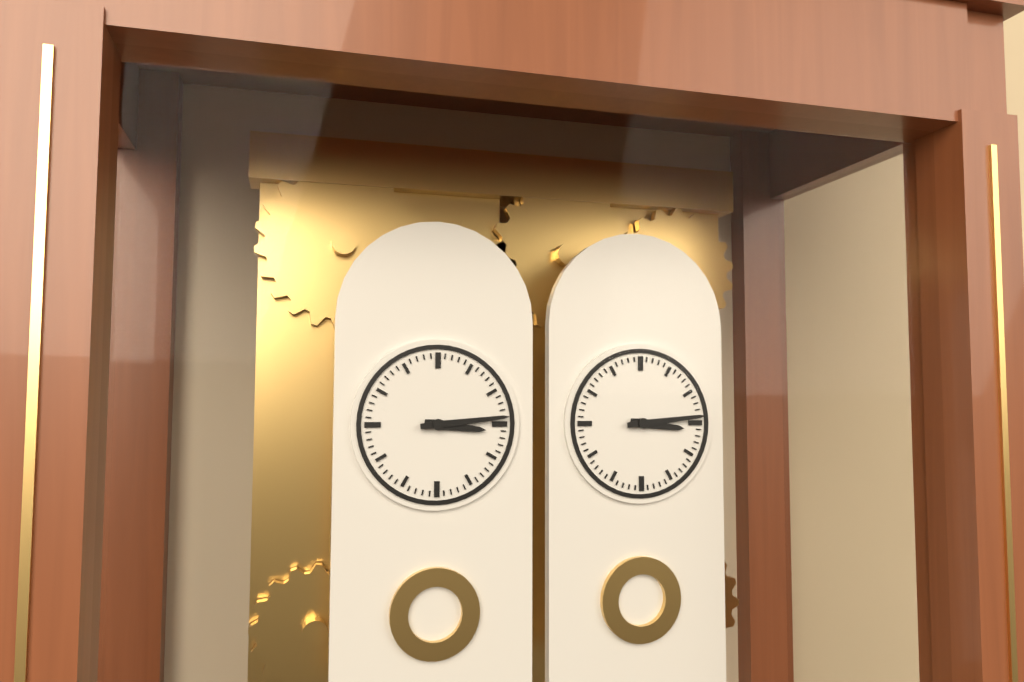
3:14
